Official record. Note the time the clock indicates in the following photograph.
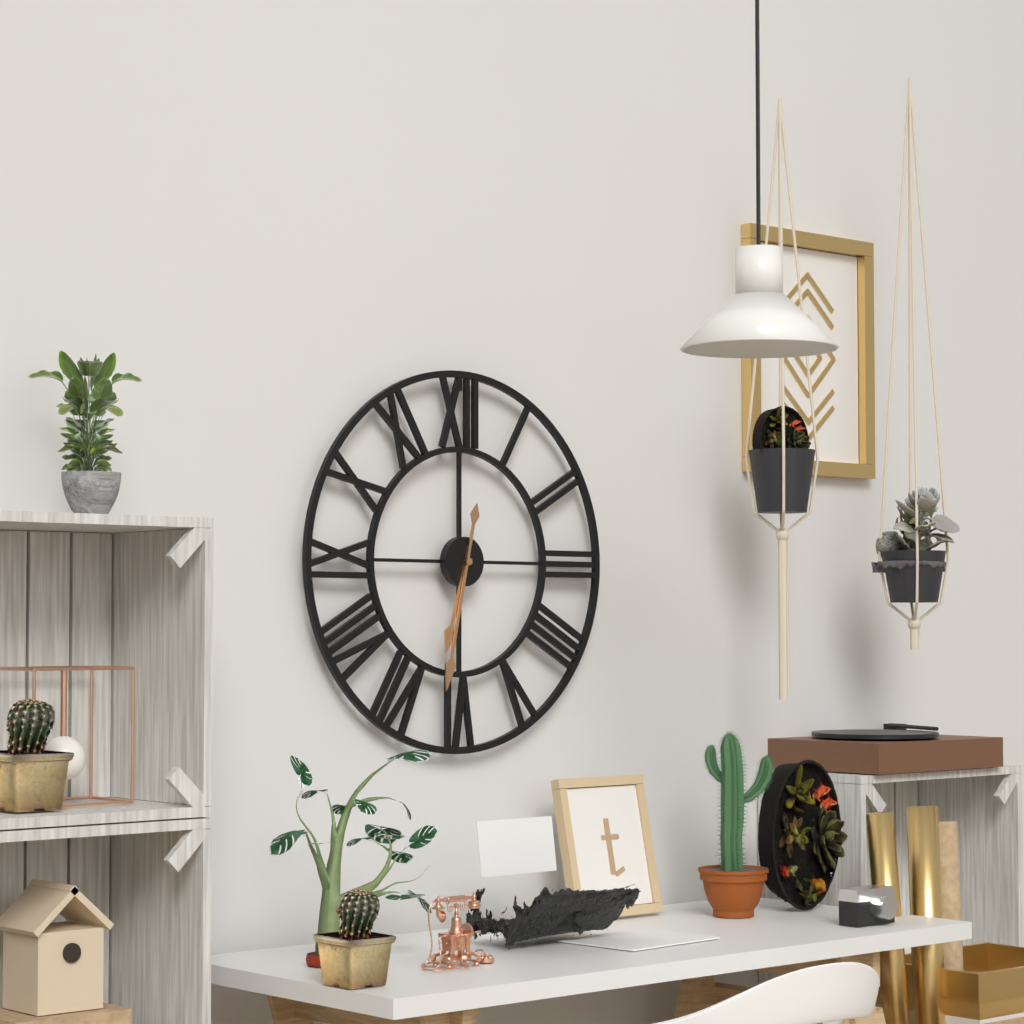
6:32
